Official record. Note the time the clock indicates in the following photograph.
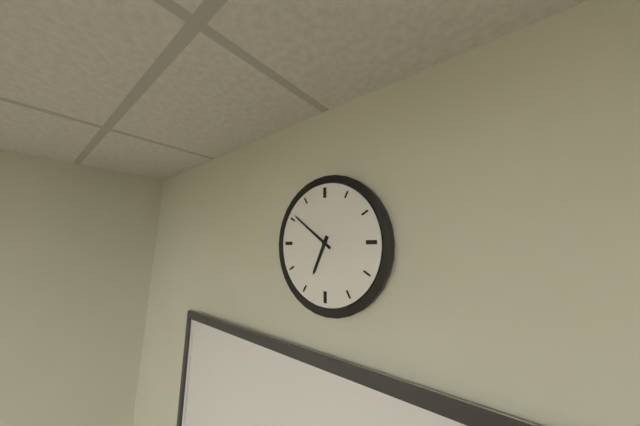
6:51
